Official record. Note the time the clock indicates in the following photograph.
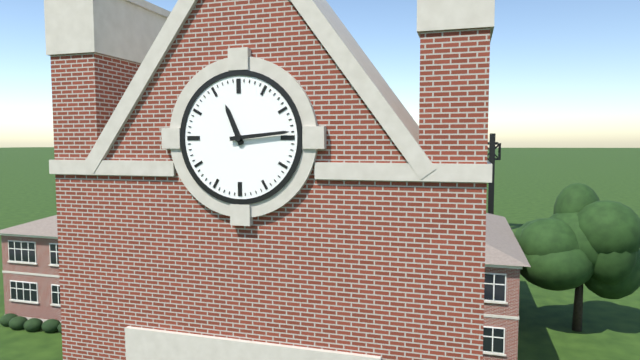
11:14
